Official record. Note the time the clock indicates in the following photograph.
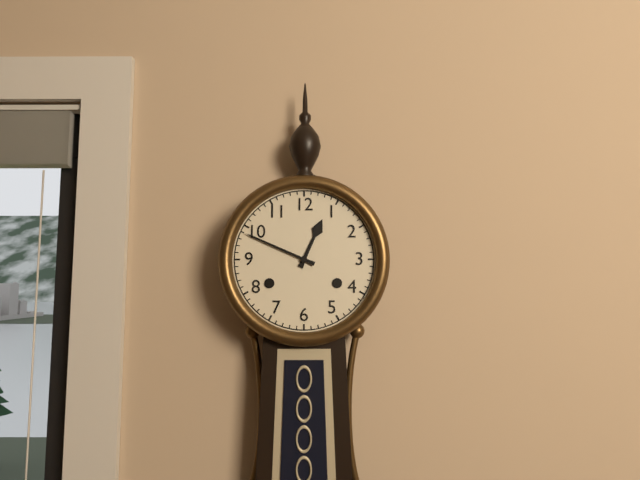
12:49
